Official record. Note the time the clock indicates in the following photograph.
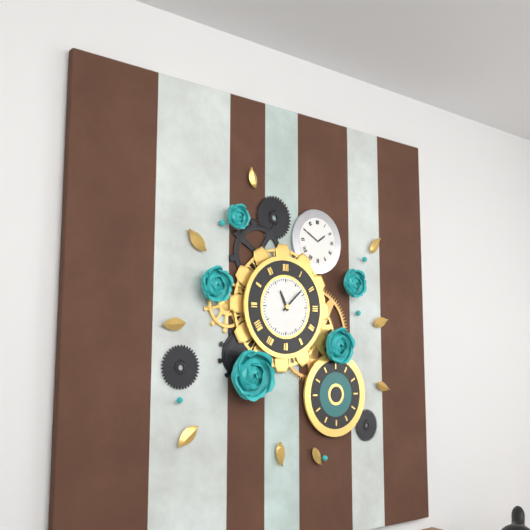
11:08
